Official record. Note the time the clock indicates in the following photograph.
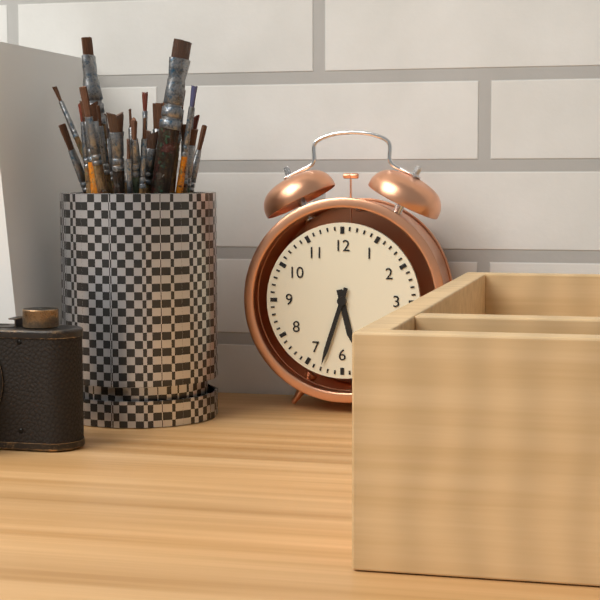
5:33
